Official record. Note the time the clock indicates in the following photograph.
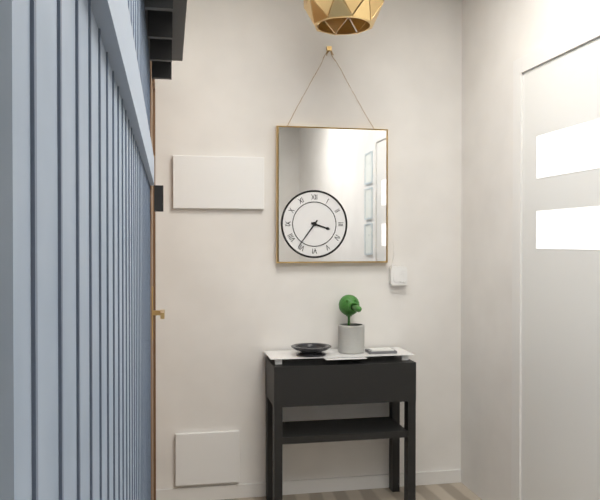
3:36
